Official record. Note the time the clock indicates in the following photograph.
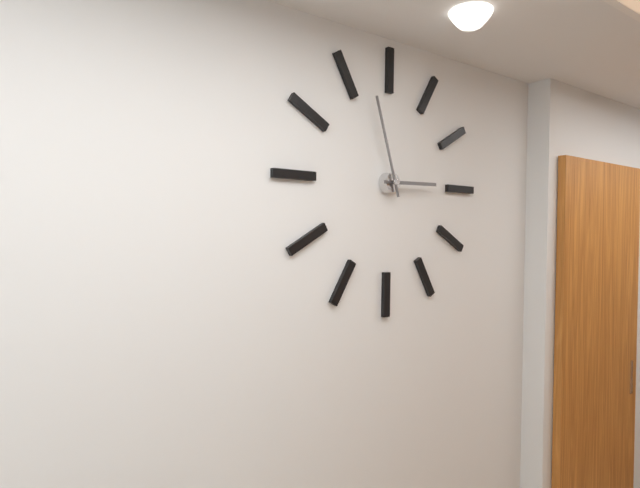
2:57
